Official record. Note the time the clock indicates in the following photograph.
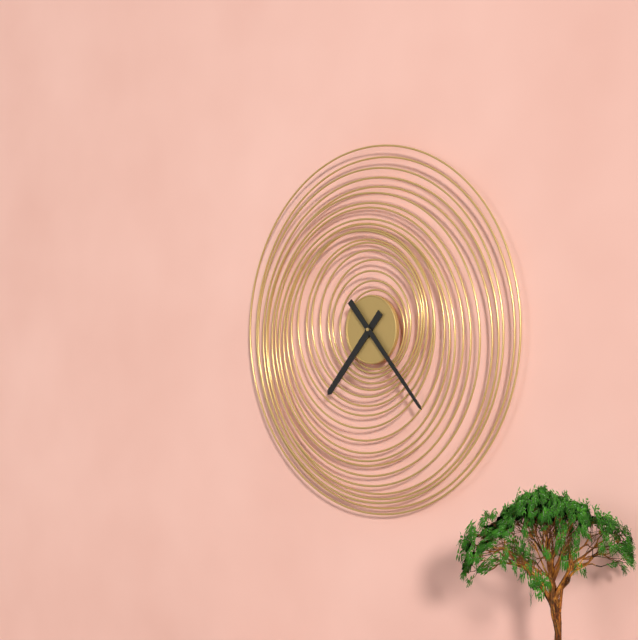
7:23
